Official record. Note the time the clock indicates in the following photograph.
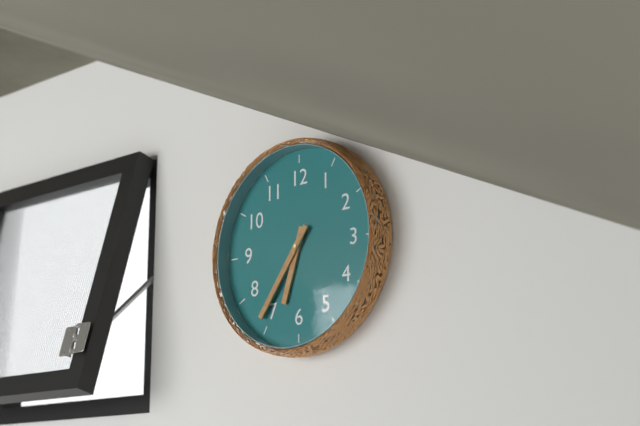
6:36
